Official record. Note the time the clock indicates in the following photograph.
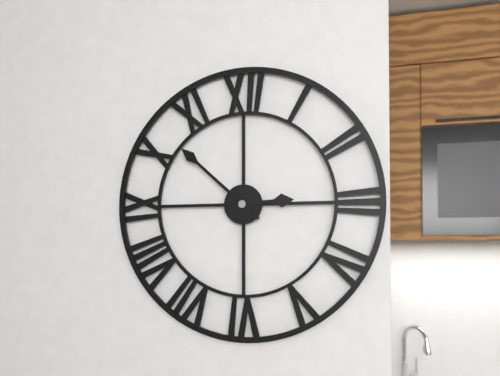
2:52
